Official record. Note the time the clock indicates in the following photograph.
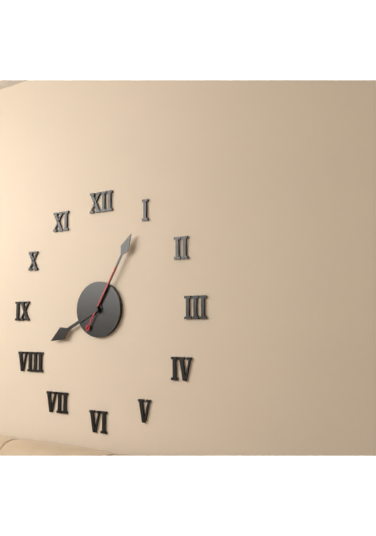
8:05:05
